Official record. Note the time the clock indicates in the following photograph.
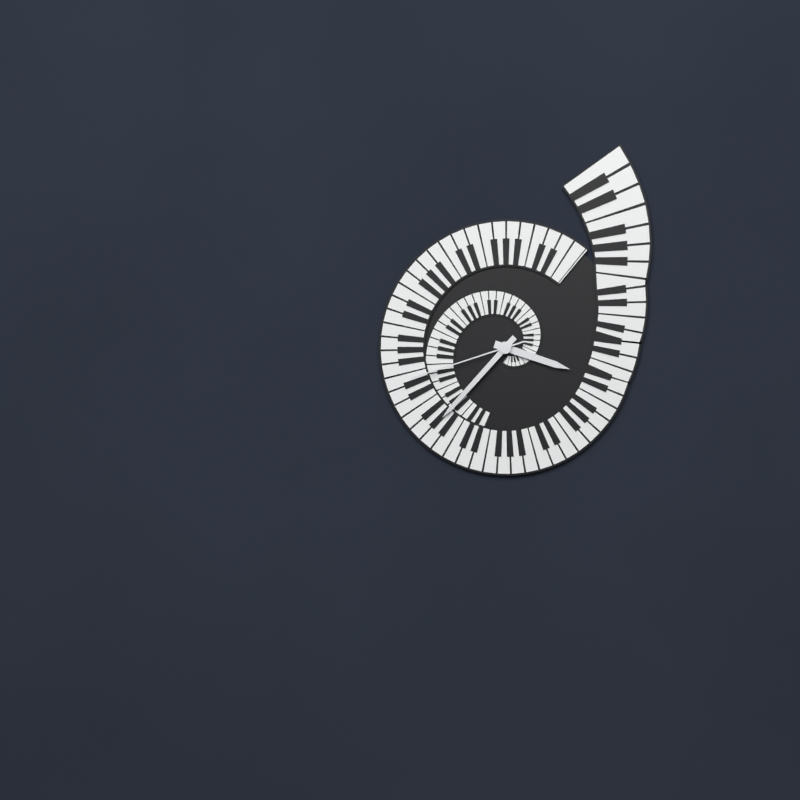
3:37:42
